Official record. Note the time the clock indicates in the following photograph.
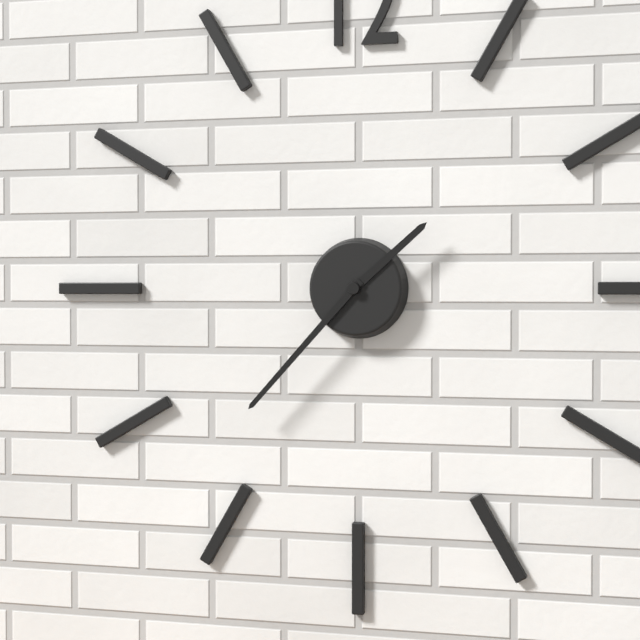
1:37
